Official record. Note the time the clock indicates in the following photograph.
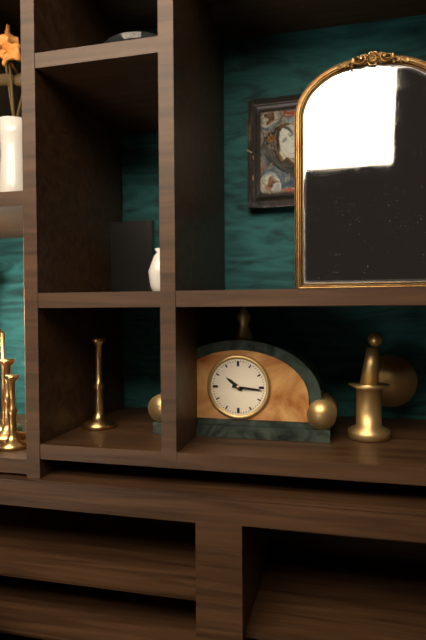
10:16
